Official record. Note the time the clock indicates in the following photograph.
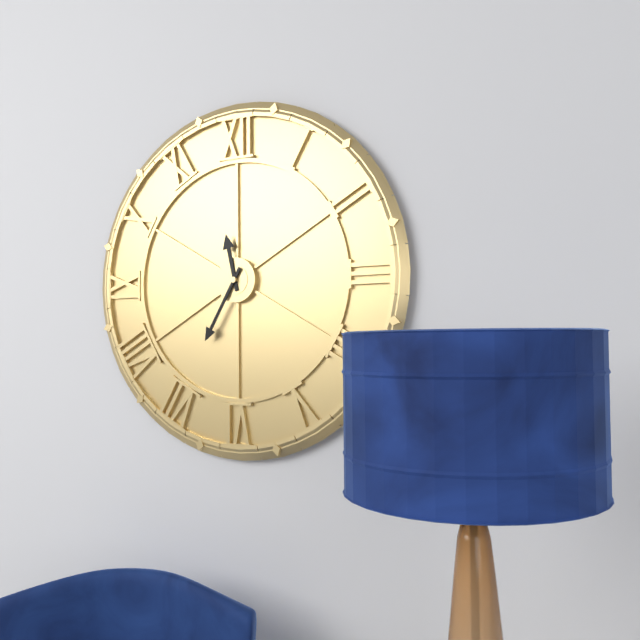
11:35
